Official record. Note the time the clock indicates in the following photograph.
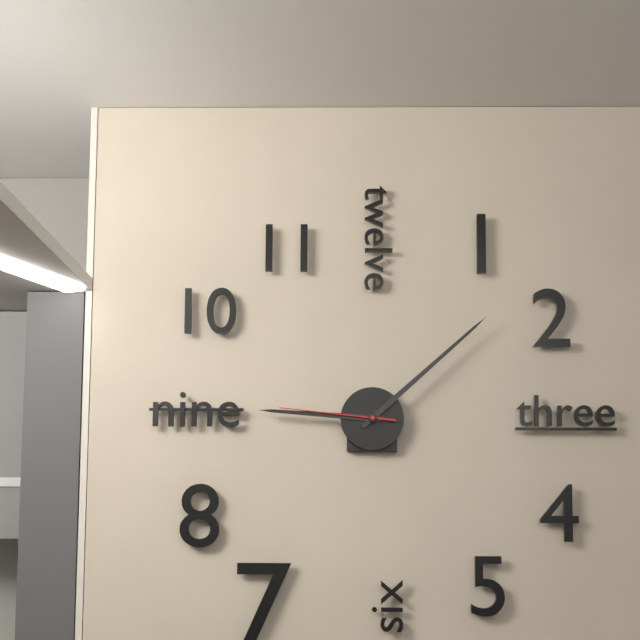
9:08:46
